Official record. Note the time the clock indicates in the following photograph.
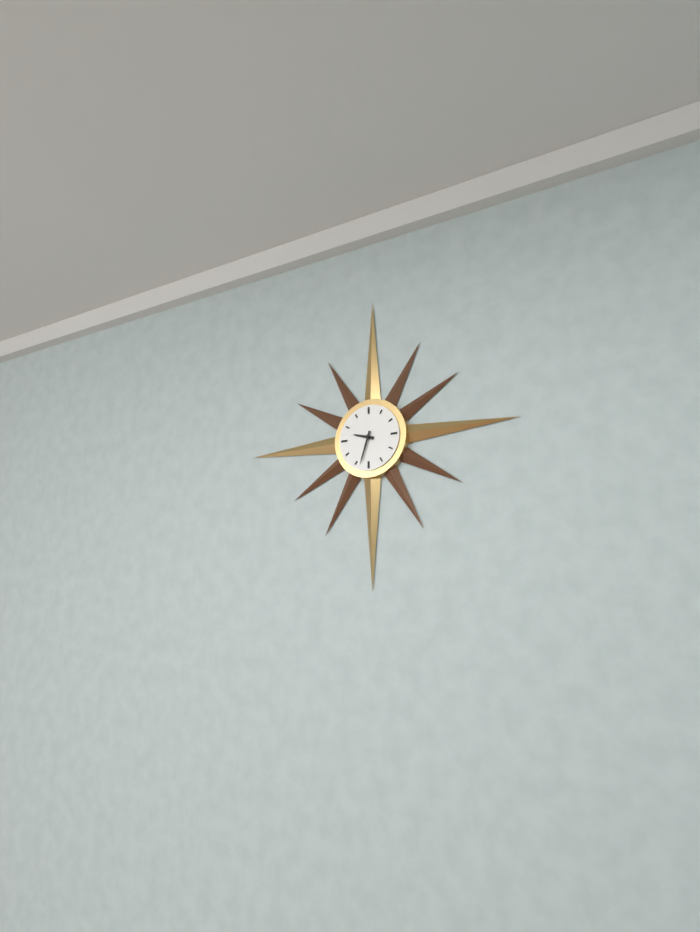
9:33
